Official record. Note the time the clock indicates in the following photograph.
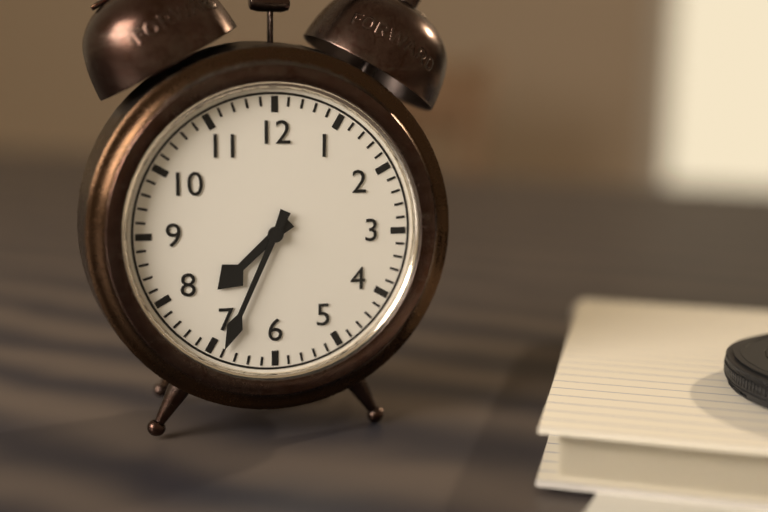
7:34
